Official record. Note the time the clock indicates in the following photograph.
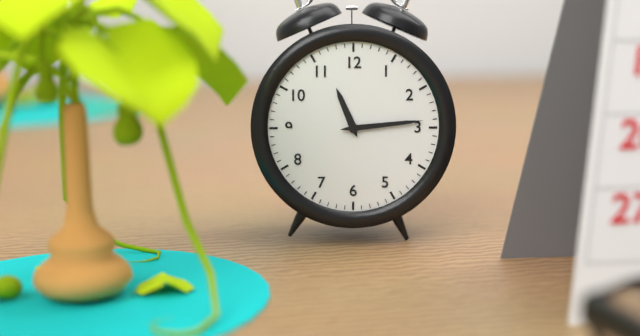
11:14
